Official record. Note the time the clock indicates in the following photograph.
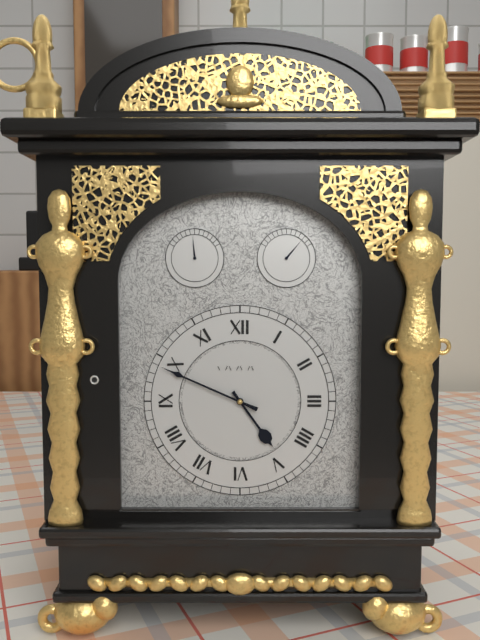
4:49
